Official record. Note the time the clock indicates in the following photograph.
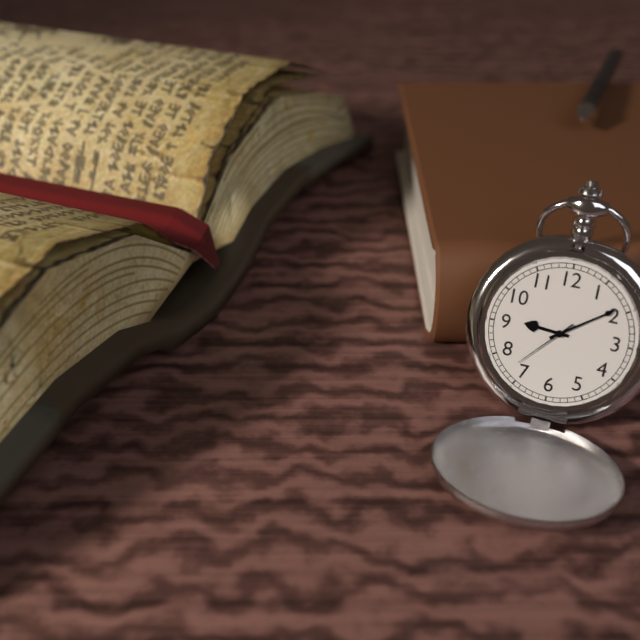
9:09:37
